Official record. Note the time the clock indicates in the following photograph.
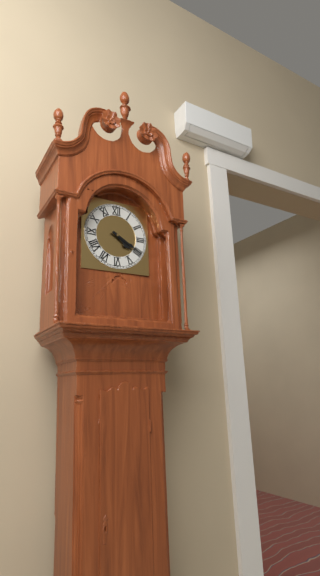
4:20
